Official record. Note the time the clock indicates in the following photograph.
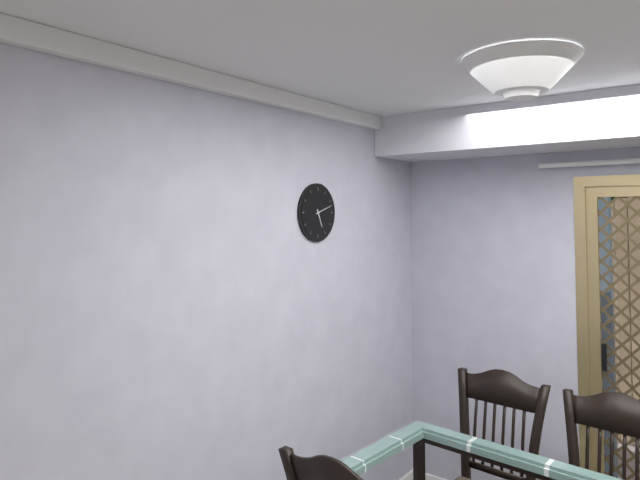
5:12
